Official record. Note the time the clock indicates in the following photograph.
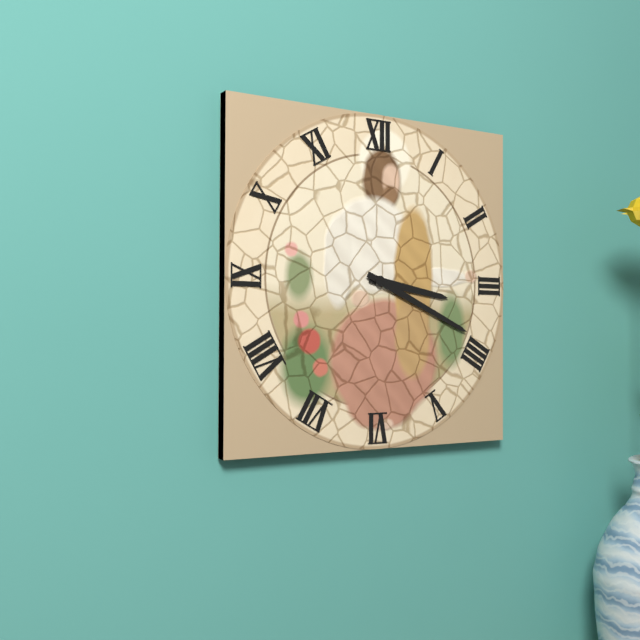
3:19
